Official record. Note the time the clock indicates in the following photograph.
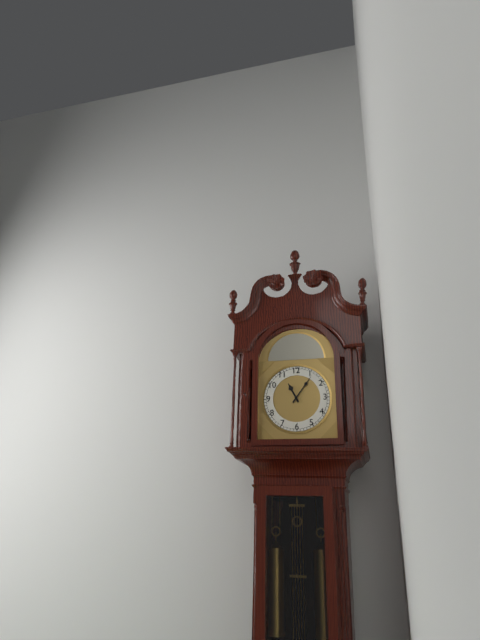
11:06
